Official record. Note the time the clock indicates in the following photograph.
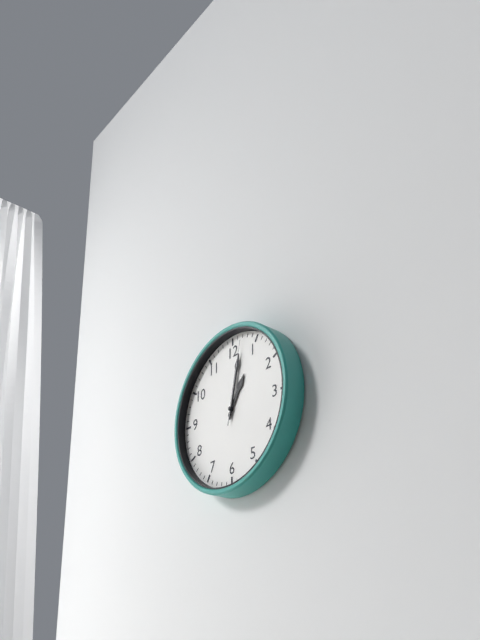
1:02:02
